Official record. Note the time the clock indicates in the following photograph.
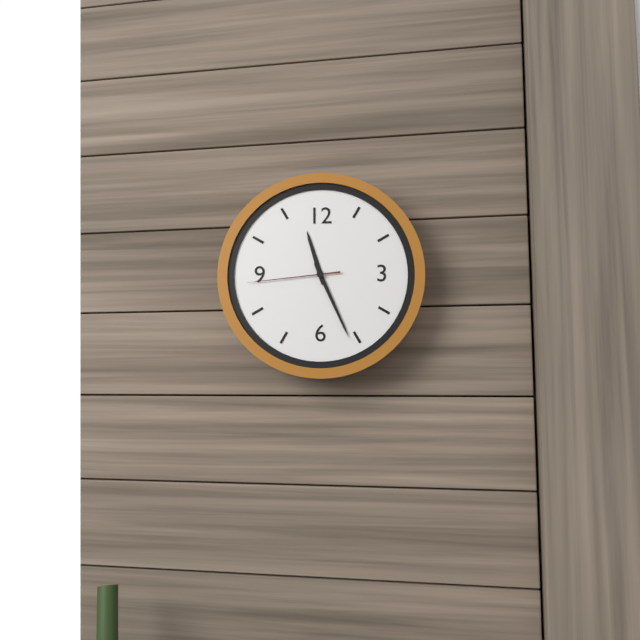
11:26:44
